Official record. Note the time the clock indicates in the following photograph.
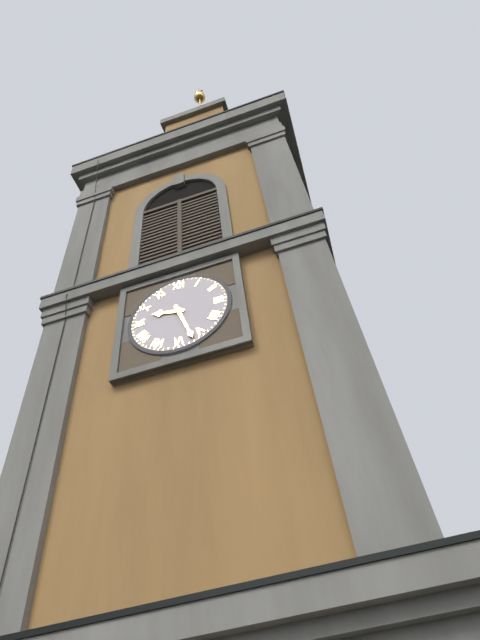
9:27
